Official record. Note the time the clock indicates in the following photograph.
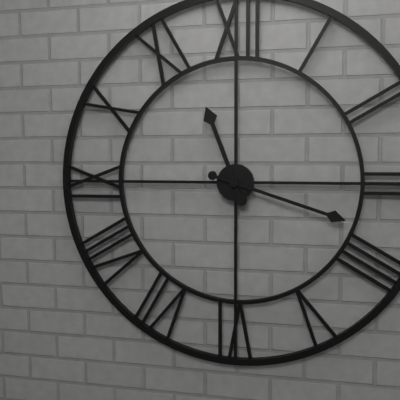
11:18
